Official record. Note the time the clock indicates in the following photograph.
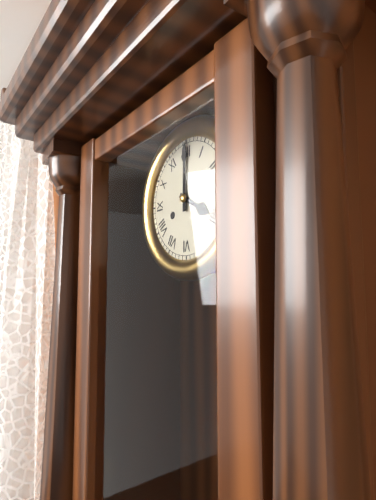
4:00
